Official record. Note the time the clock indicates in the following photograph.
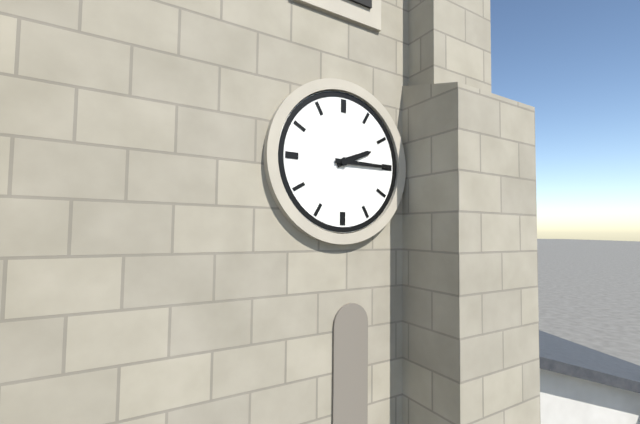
2:15
